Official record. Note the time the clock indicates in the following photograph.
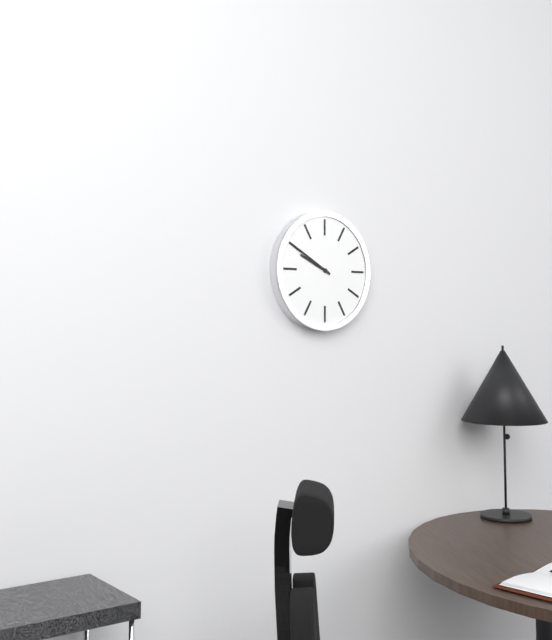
9:50
